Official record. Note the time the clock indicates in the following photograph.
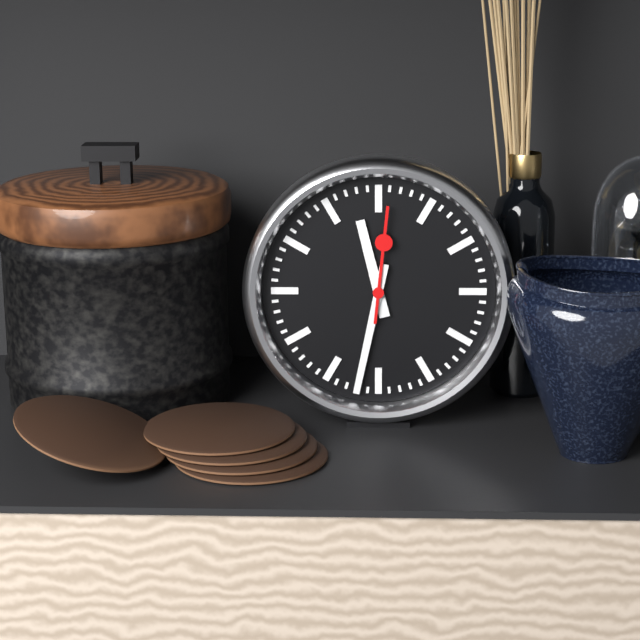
11:32:01
